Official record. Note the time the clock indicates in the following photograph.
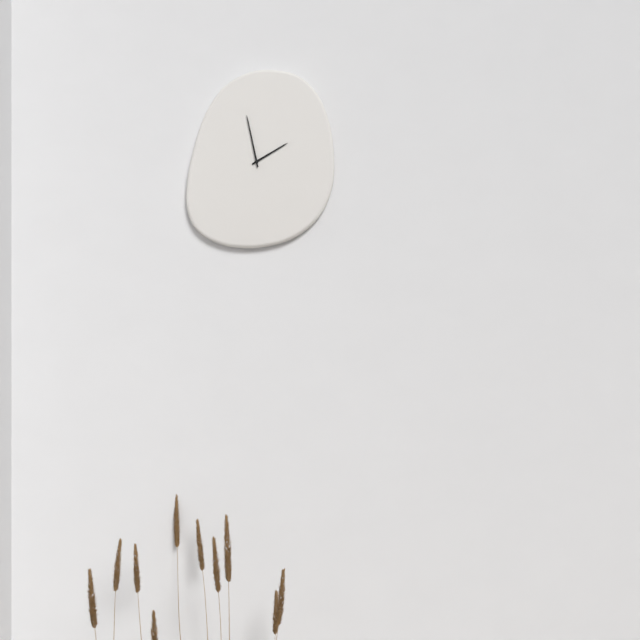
1:58
